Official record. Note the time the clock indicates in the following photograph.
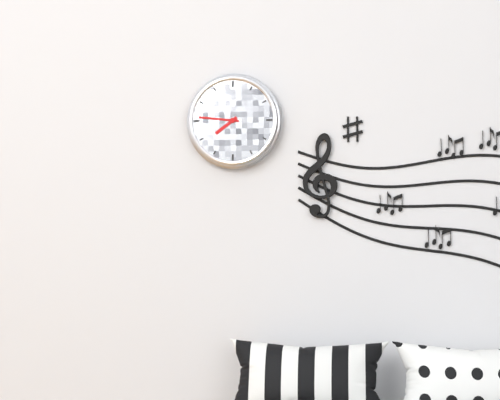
7:46
